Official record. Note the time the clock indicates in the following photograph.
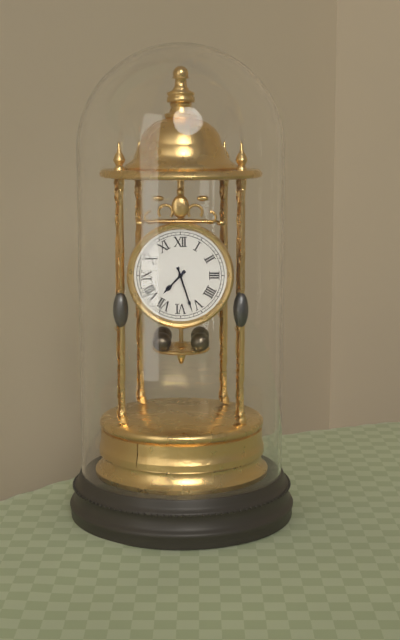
7:27
